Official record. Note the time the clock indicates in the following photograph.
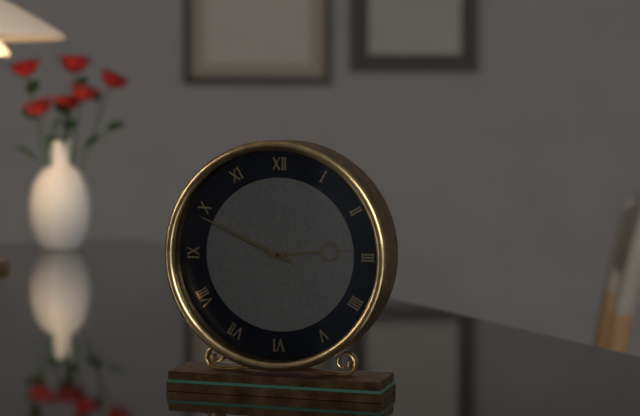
2:49
